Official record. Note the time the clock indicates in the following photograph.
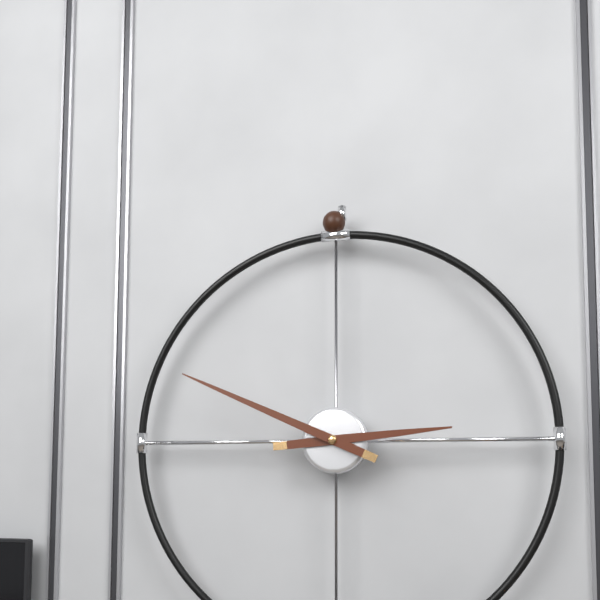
2:49
